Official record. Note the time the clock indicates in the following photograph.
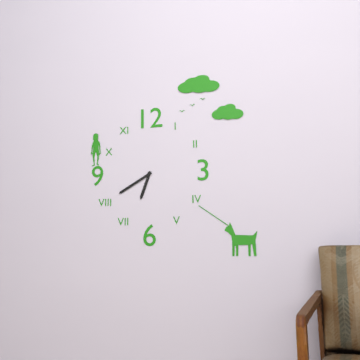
6:40
